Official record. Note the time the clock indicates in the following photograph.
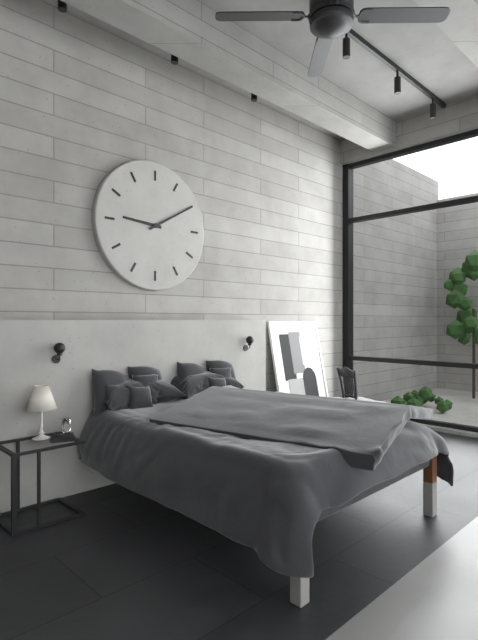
9:10
